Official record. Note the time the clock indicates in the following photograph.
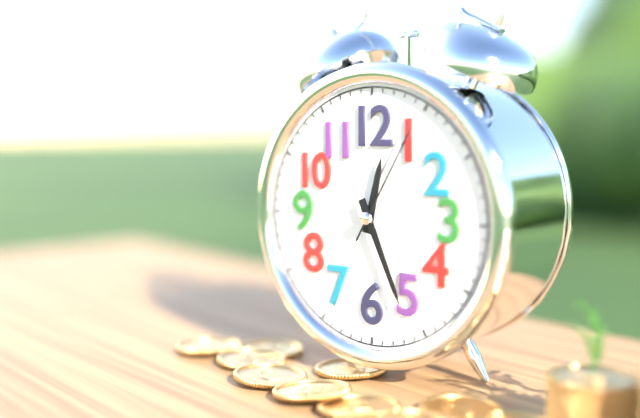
12:26:05
